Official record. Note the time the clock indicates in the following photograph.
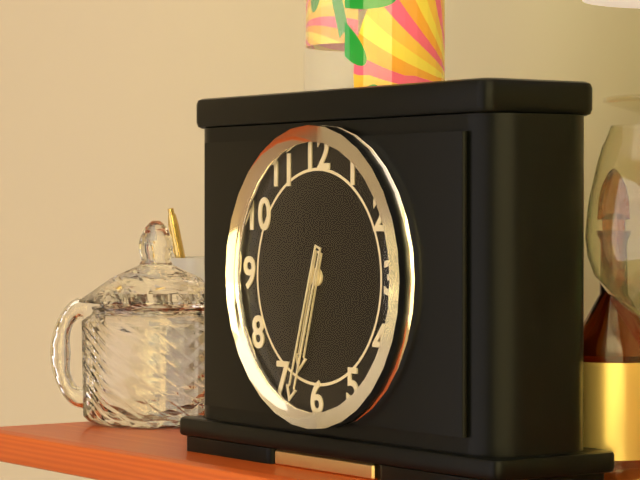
6:33
